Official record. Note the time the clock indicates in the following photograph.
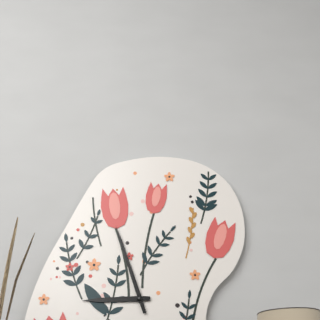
8:57
